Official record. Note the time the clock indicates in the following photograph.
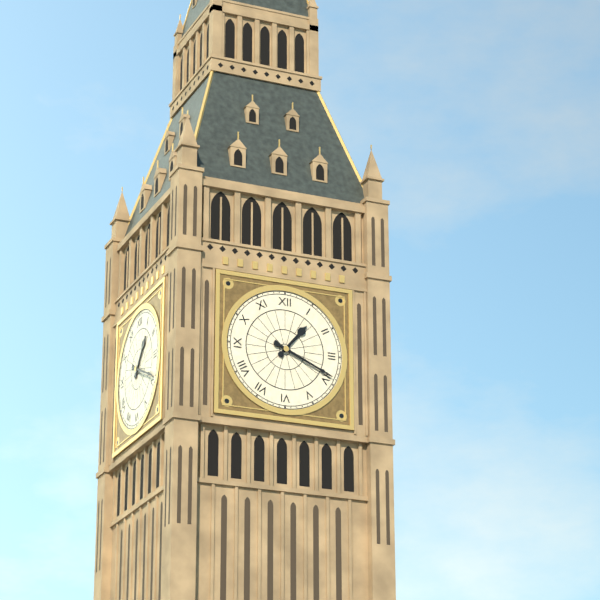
1:19
